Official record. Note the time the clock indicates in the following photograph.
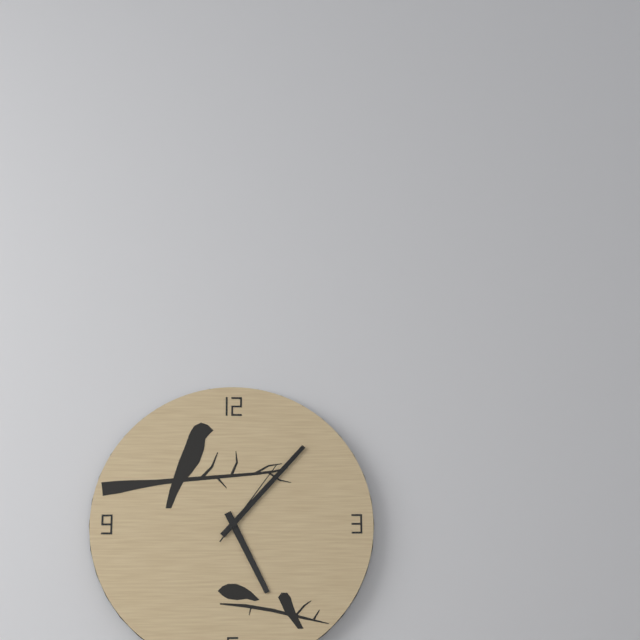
5:07:06
